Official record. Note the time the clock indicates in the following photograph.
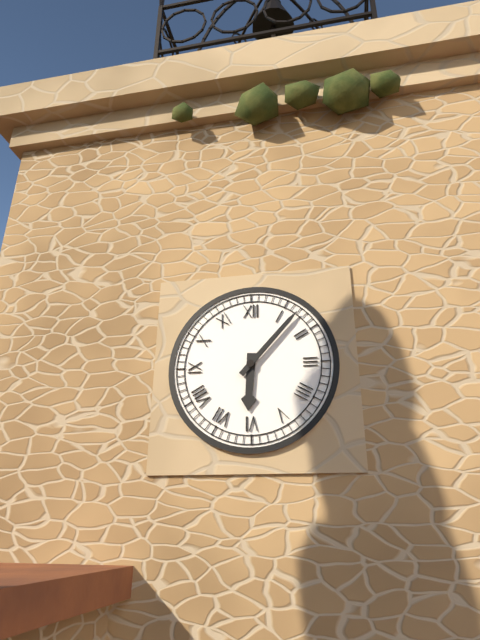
6:07
